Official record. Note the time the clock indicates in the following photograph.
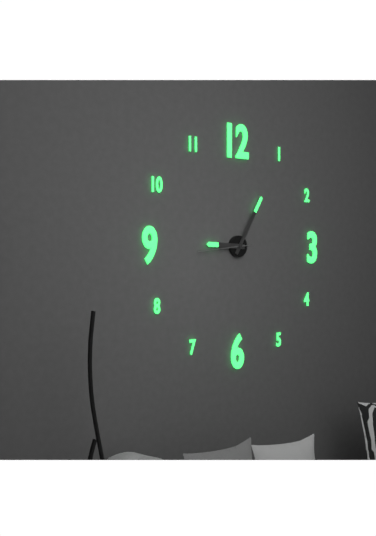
9:05
